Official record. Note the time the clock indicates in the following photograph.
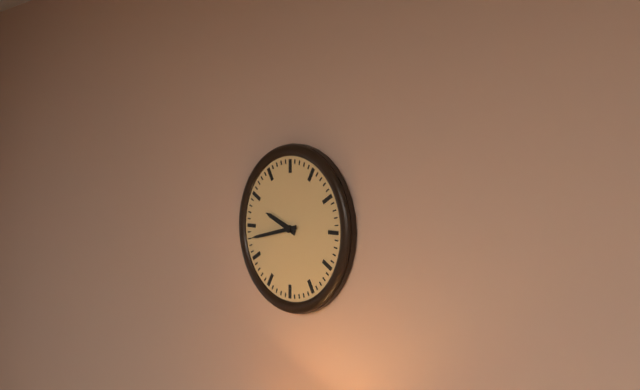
9:43
